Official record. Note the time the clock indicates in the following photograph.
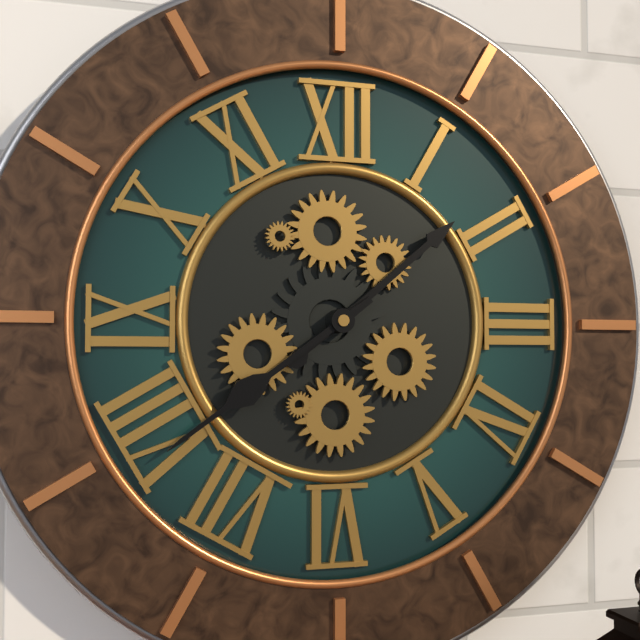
1:39
